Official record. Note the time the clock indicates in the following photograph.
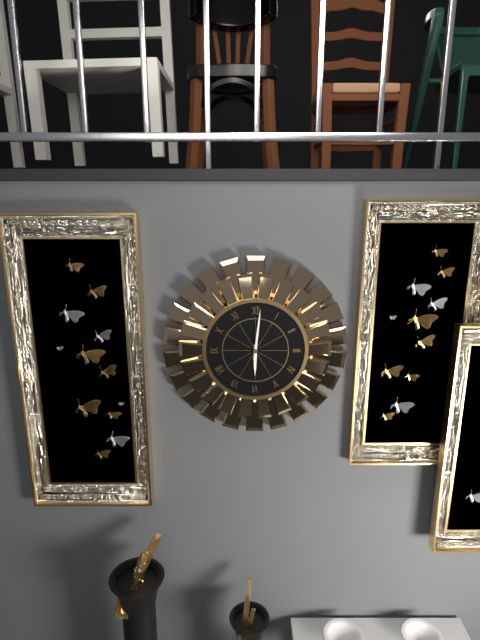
6:01
